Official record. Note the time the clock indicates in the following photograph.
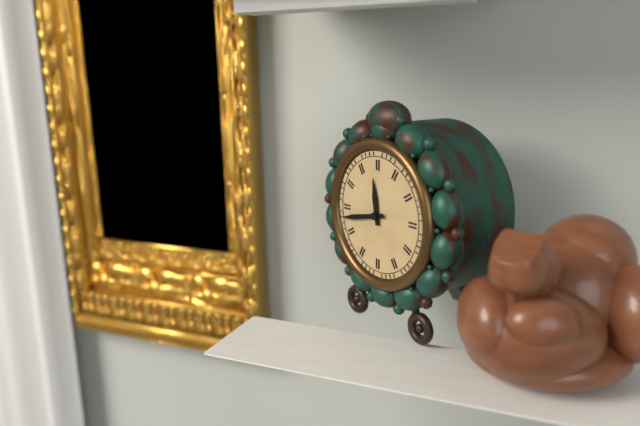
11:43
